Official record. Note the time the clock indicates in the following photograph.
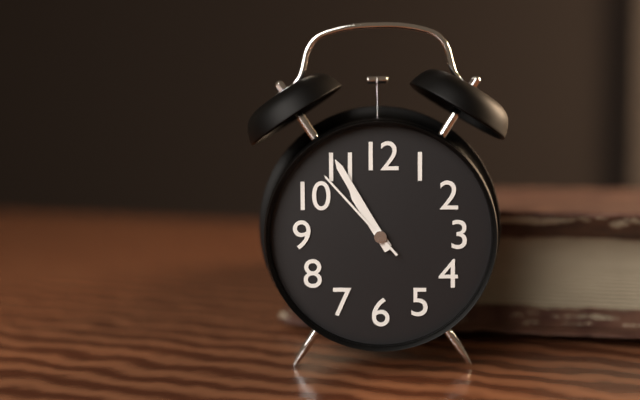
10:55:53
